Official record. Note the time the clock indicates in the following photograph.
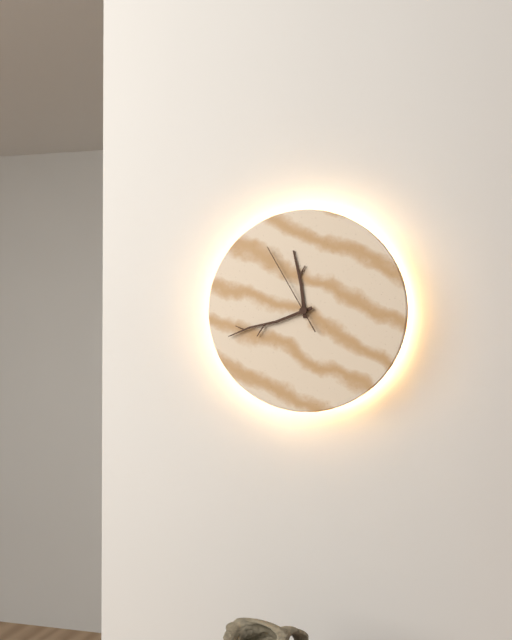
11:42:55
